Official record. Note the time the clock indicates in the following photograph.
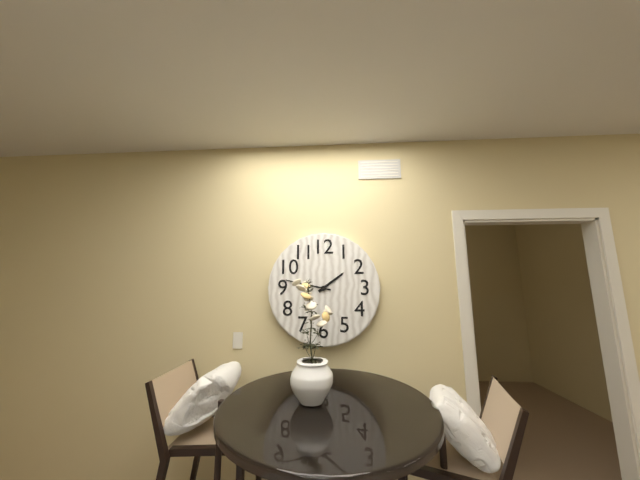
1:47
